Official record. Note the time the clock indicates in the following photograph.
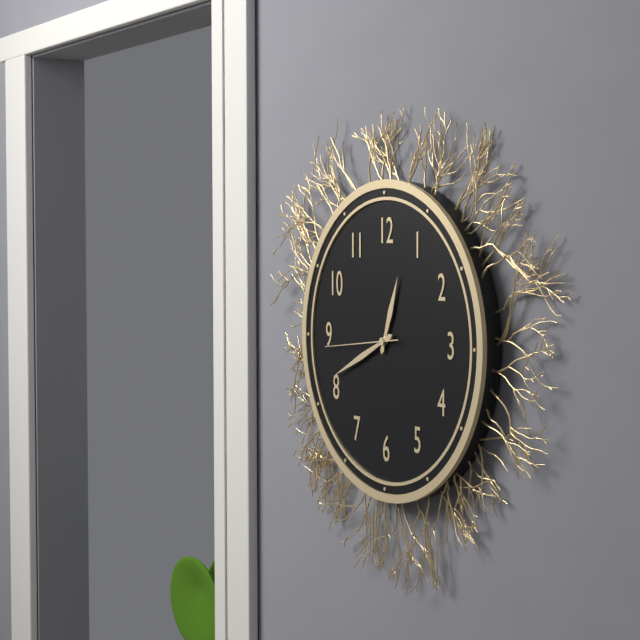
12:41:44
